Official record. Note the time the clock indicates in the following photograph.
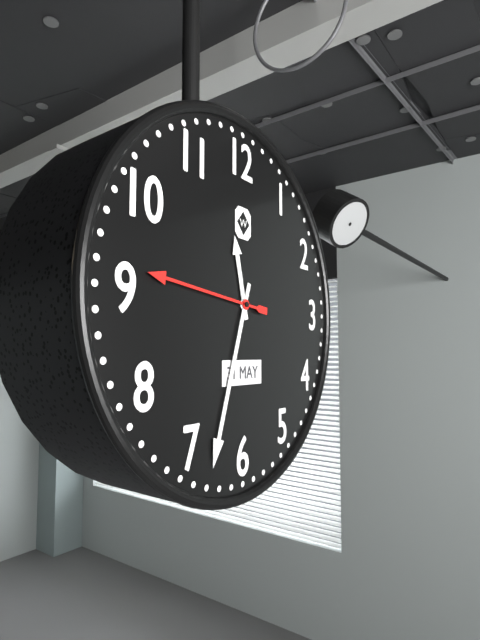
11:33:46
